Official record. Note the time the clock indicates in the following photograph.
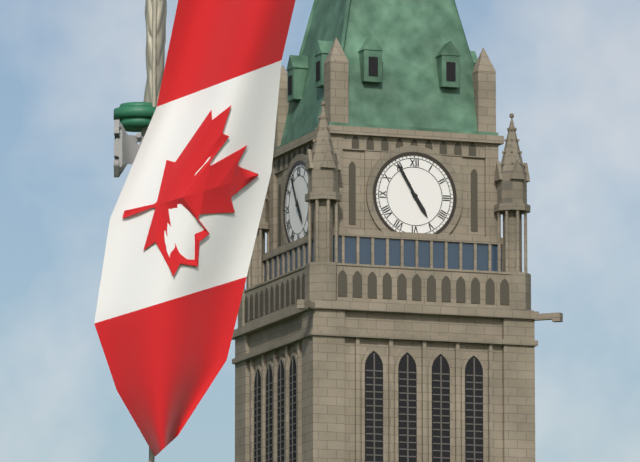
4:55
